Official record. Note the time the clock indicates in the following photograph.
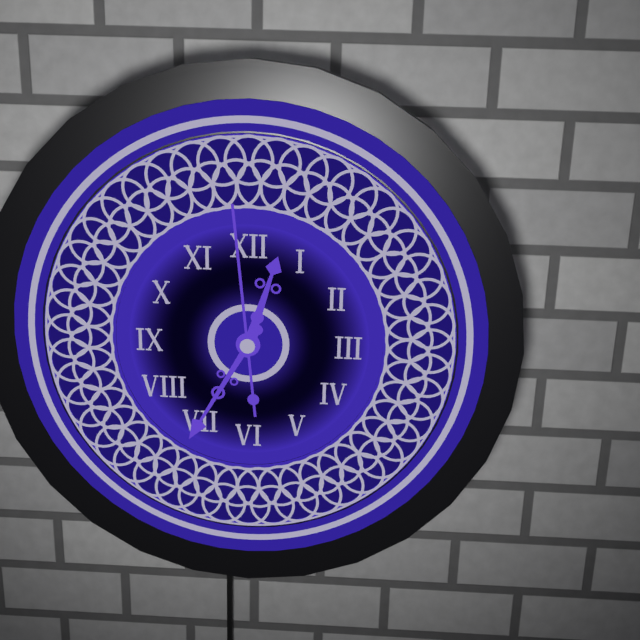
12:35:59
